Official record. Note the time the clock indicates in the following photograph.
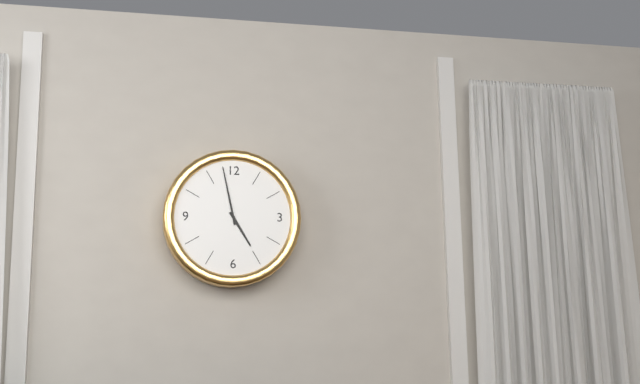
4:58
